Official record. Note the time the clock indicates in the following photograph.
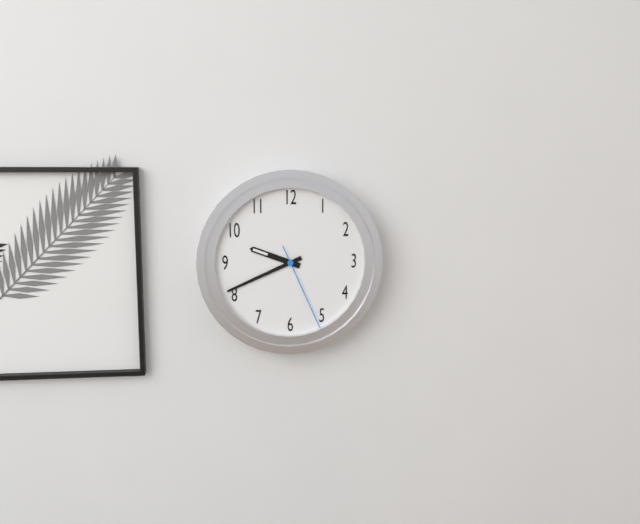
9:41:26
